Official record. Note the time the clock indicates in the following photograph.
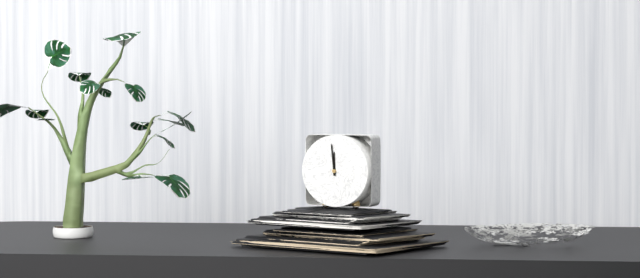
11:59
